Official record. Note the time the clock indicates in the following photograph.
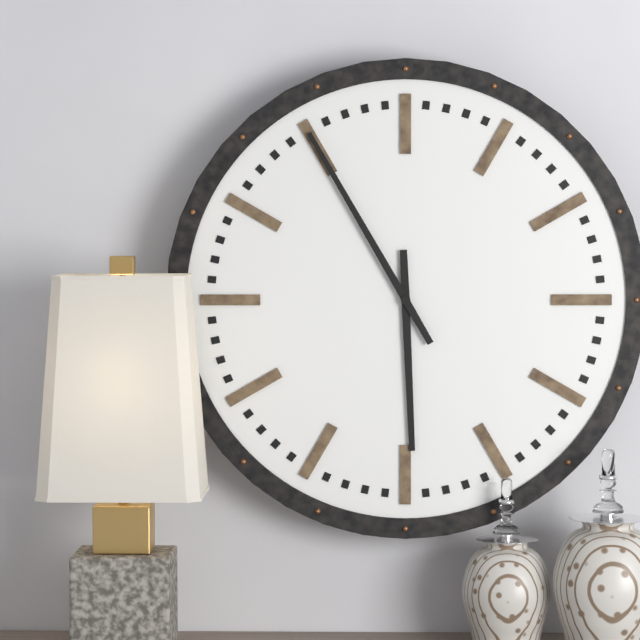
5:55
